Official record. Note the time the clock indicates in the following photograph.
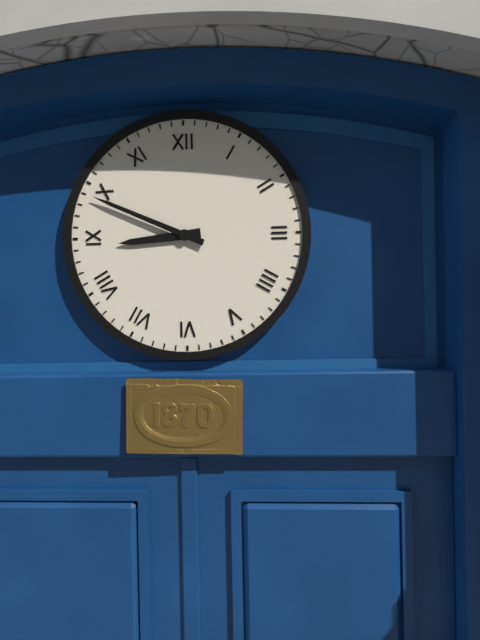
8:49
